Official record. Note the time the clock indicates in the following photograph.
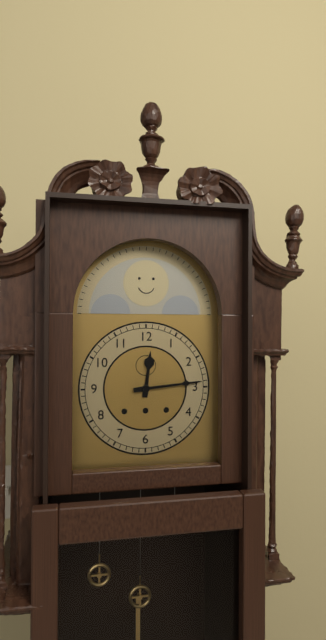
12:14
